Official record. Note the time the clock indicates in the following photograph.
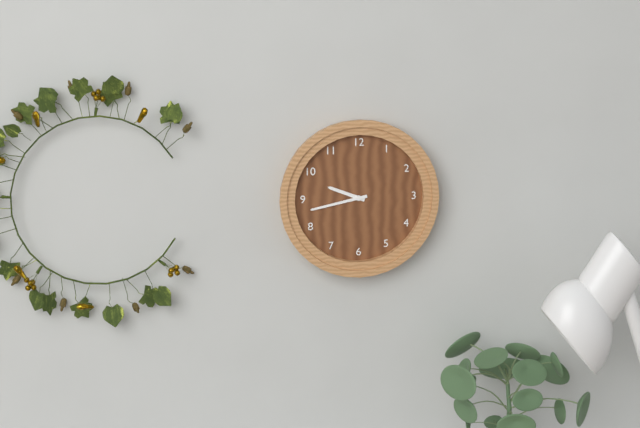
9:43
